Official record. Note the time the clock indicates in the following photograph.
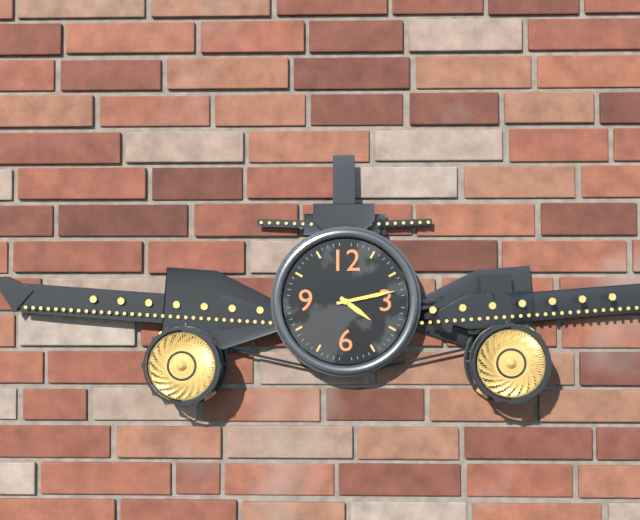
4:13
